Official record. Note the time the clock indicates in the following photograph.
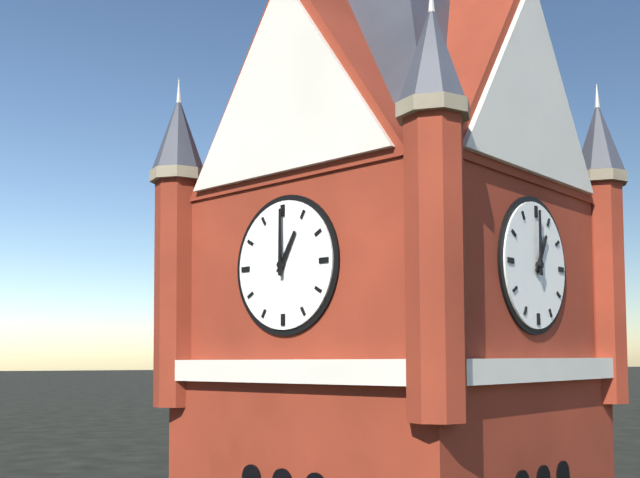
1:00
